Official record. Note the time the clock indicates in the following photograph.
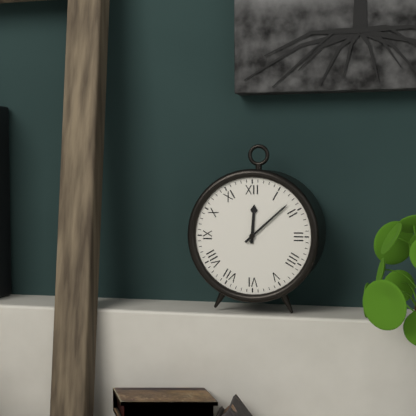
12:08
